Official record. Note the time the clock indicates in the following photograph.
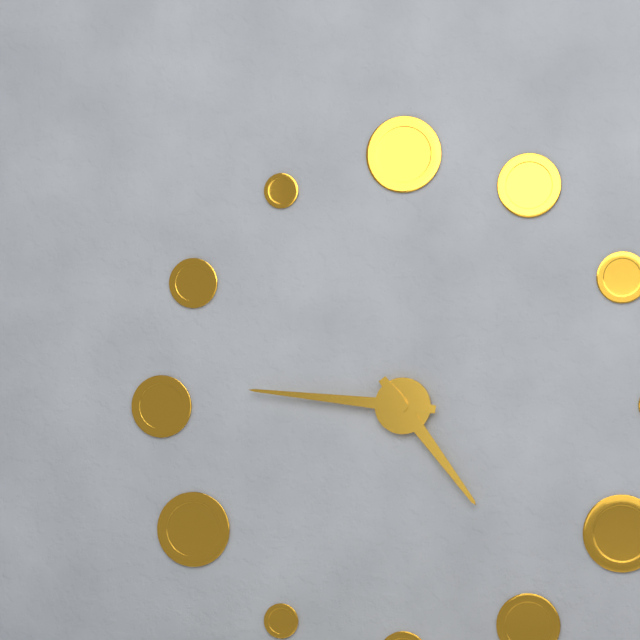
4:46
